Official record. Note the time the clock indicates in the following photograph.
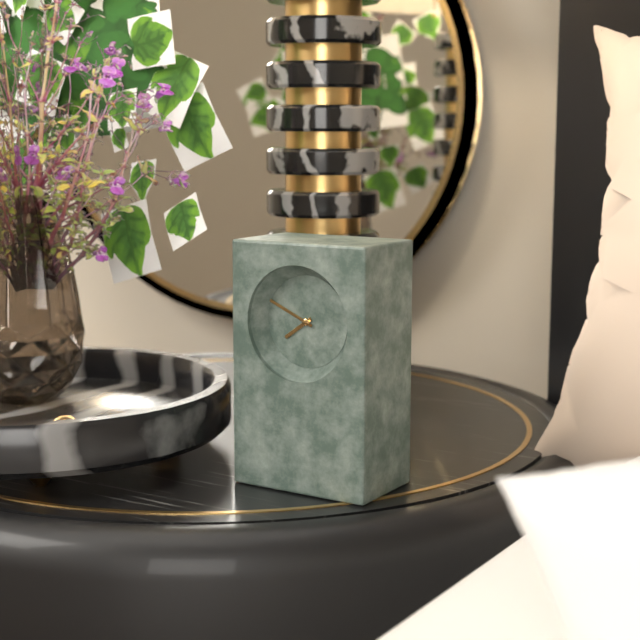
7:49
